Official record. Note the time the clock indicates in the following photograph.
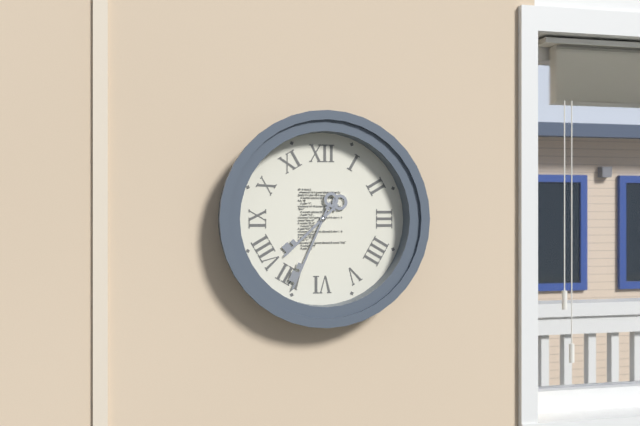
7:34
